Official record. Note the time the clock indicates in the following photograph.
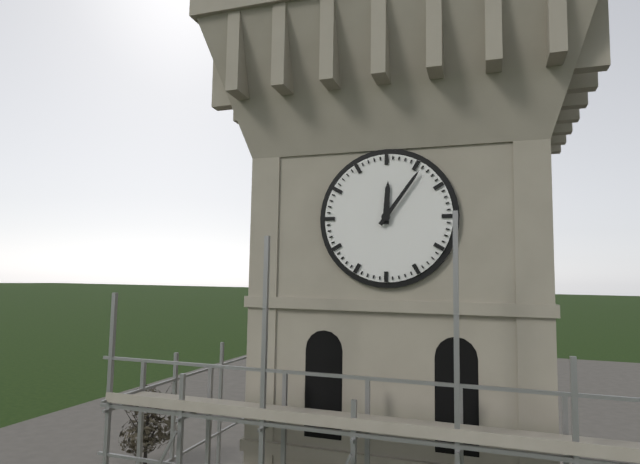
12:06
